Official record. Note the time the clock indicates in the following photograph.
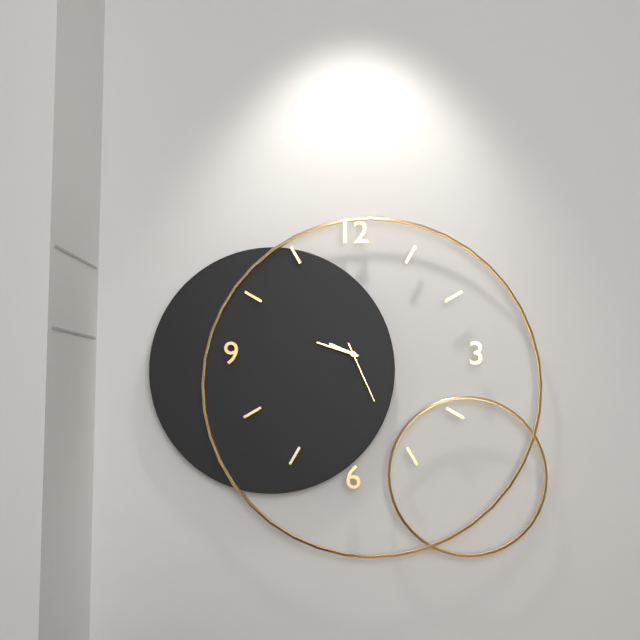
9:48:26
